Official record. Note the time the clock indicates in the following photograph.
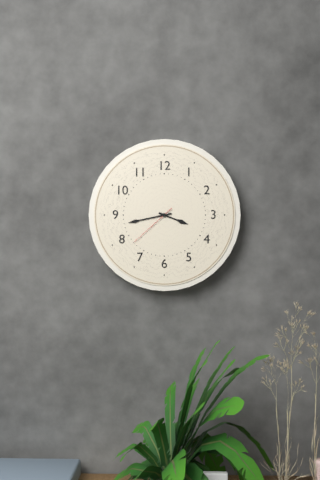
3:43:38
